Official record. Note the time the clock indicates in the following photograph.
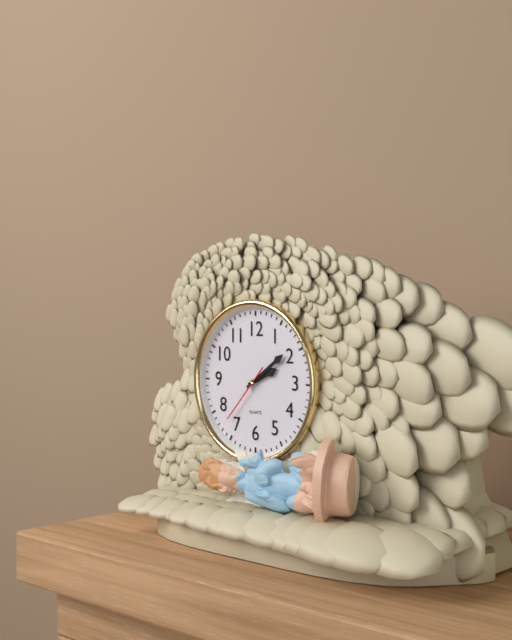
2:09:37
